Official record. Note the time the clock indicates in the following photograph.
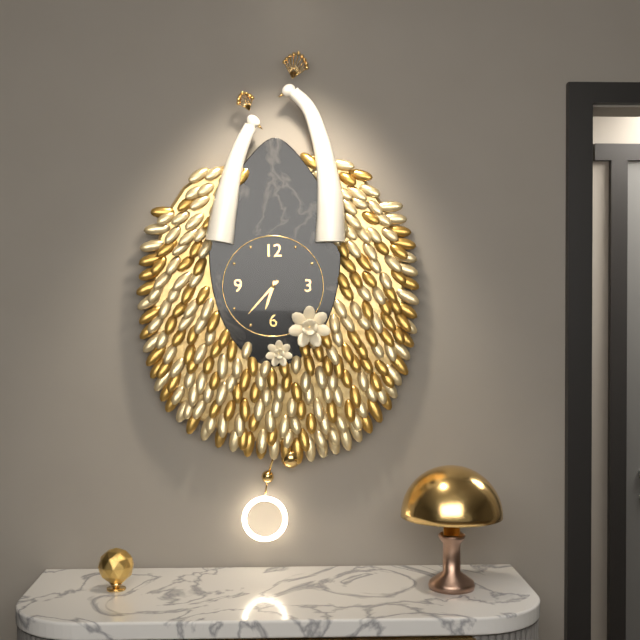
6:37
